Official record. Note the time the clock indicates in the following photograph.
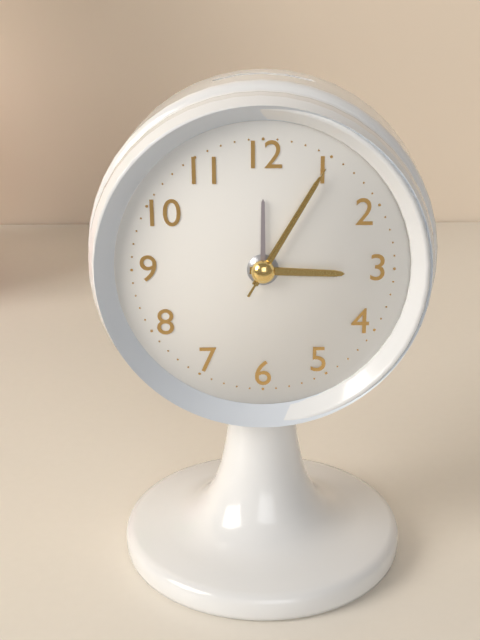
3:05:05
